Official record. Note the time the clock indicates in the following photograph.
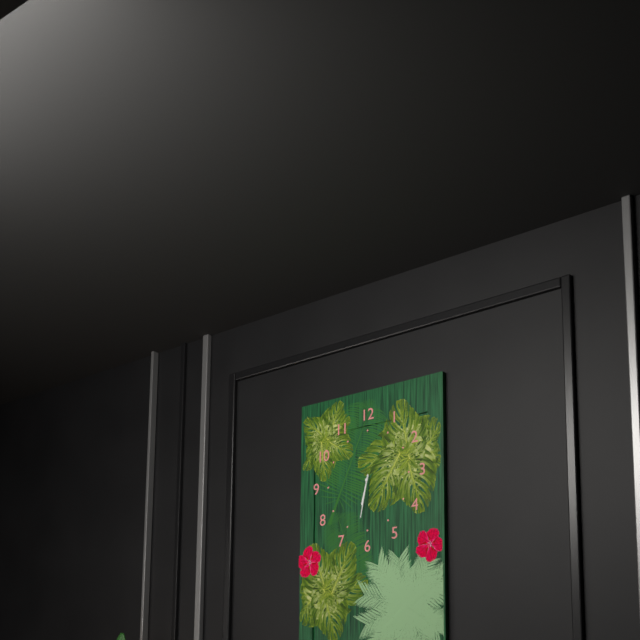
6:32
